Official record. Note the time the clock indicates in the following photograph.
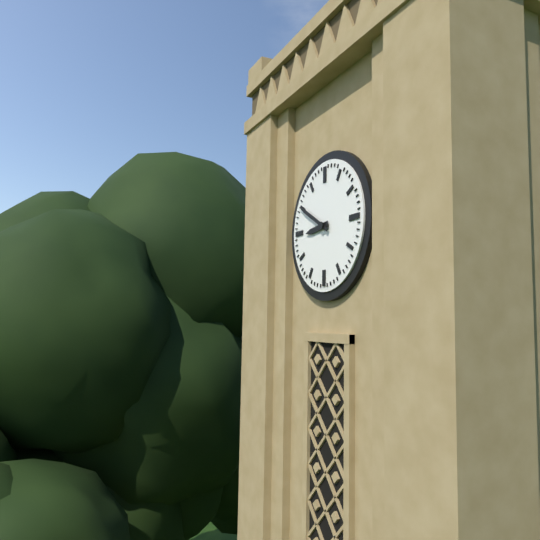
8:50
